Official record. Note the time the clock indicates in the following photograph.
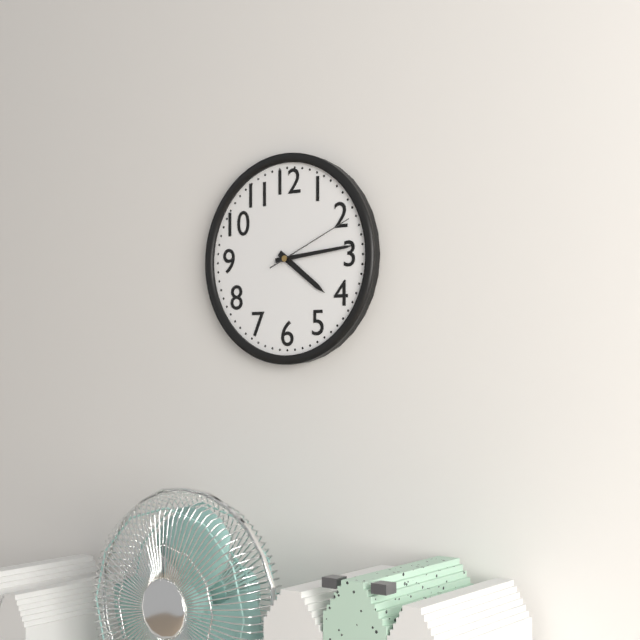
4:14:11
